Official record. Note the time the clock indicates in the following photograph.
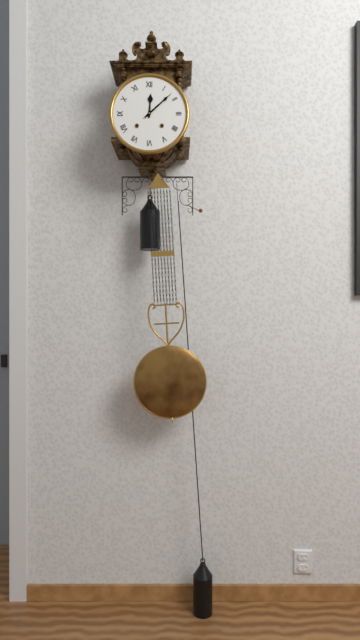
12:08
